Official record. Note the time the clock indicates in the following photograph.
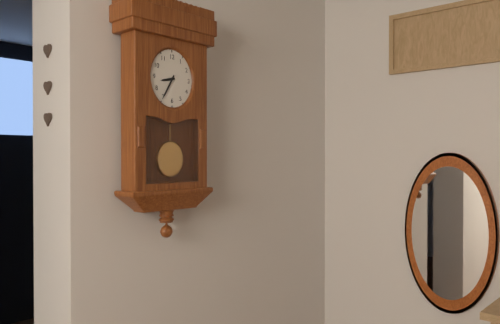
8:35
